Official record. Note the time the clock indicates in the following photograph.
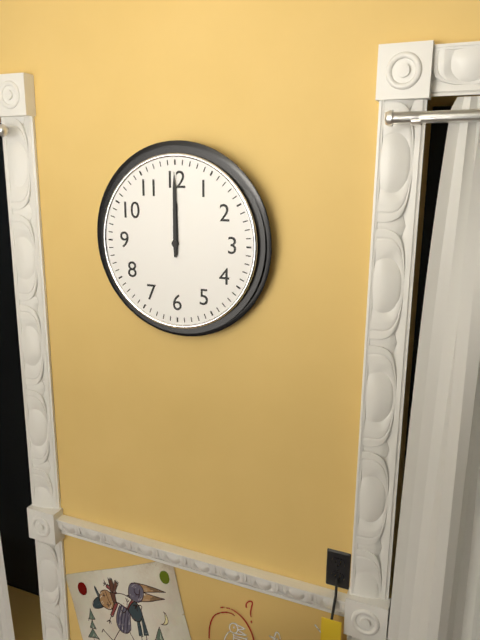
12:00
